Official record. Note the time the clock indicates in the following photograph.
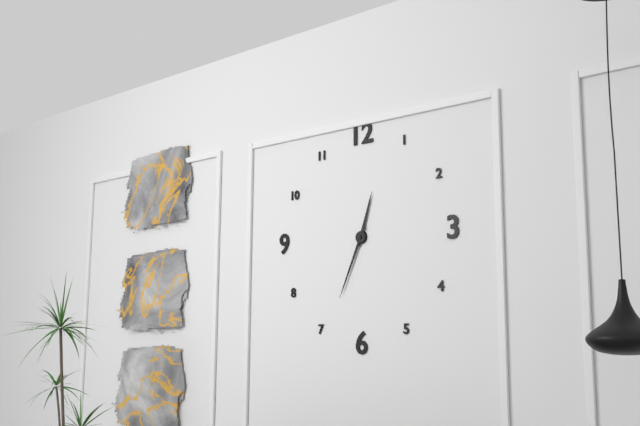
12:34
